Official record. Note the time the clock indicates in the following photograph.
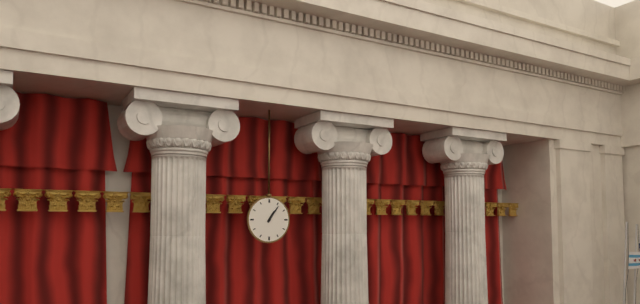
1:06
